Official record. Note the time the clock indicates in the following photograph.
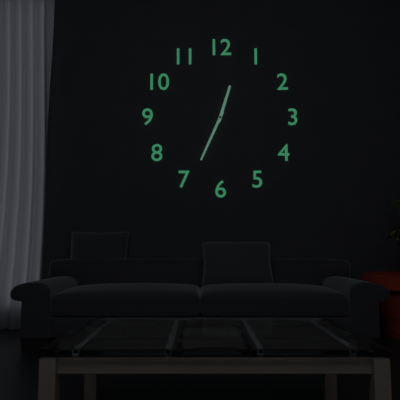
12:34
